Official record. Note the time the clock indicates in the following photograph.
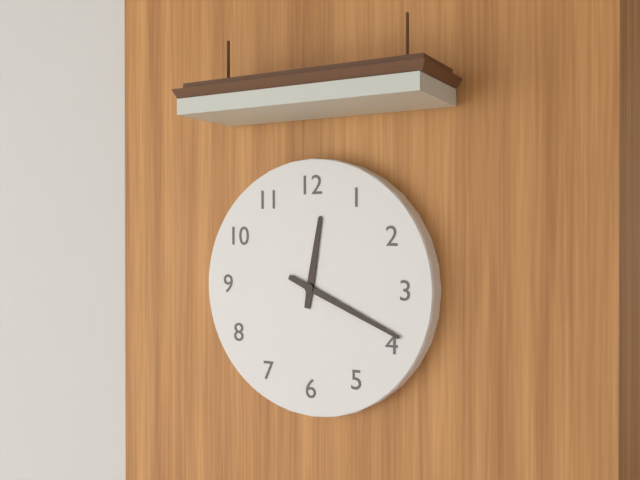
12:19
